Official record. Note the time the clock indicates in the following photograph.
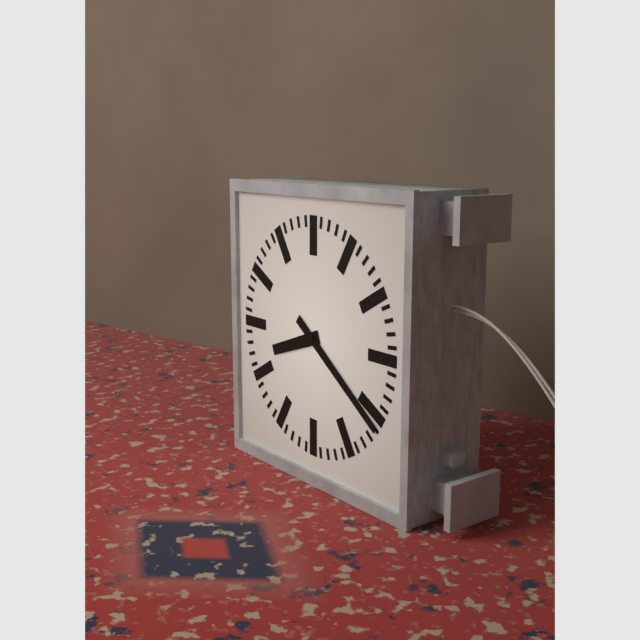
8:21
